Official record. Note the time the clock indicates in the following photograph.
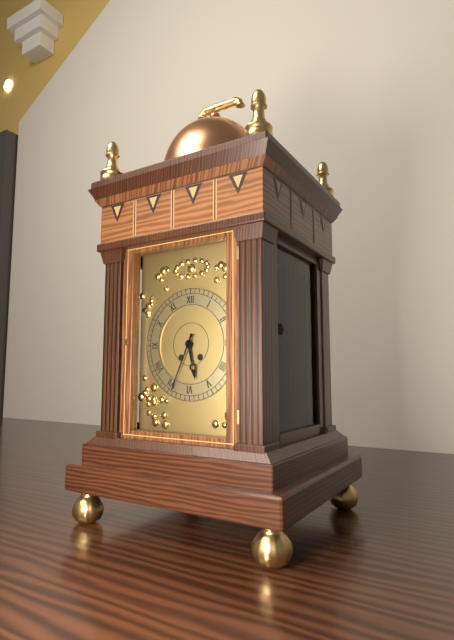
5:34
